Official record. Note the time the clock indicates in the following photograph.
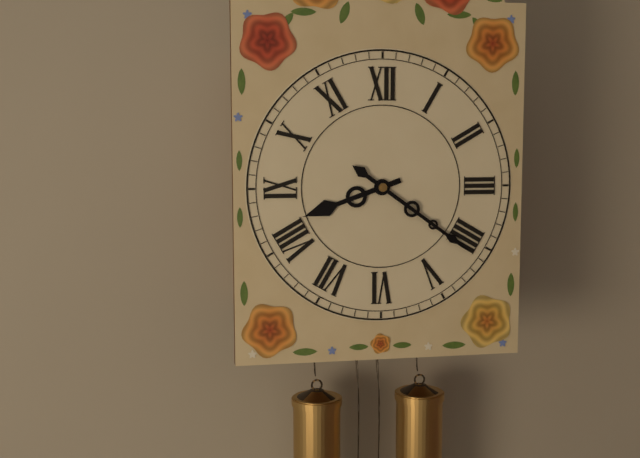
8:21
